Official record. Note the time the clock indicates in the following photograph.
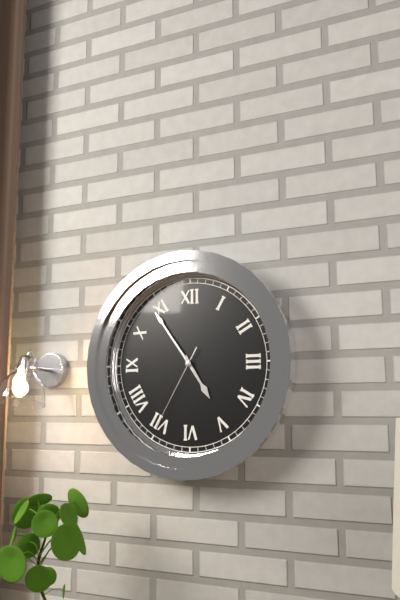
4:54:35
